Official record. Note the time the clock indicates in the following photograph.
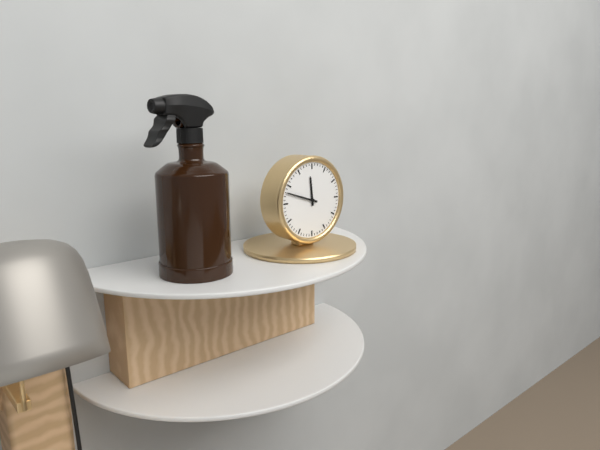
11:48
